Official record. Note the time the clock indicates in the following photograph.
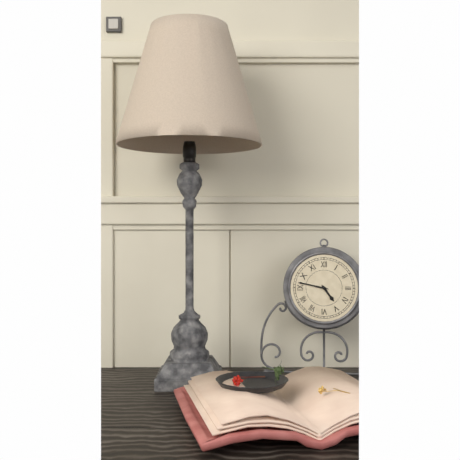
4:47
